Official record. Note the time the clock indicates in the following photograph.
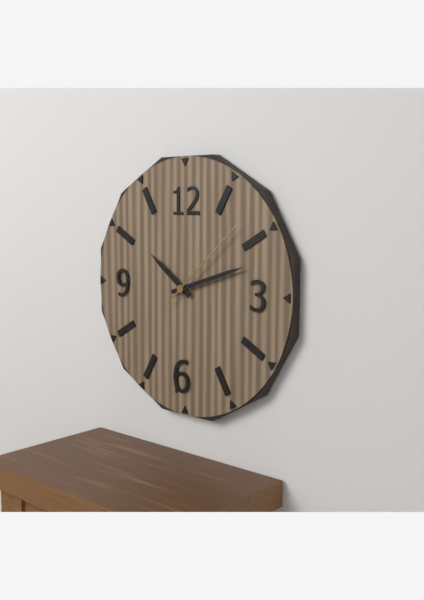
10:12:08
